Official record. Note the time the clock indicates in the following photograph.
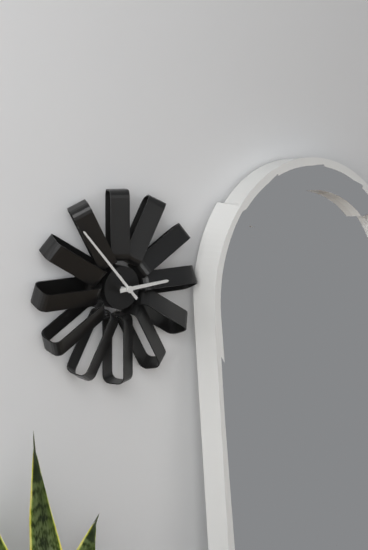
2:53
